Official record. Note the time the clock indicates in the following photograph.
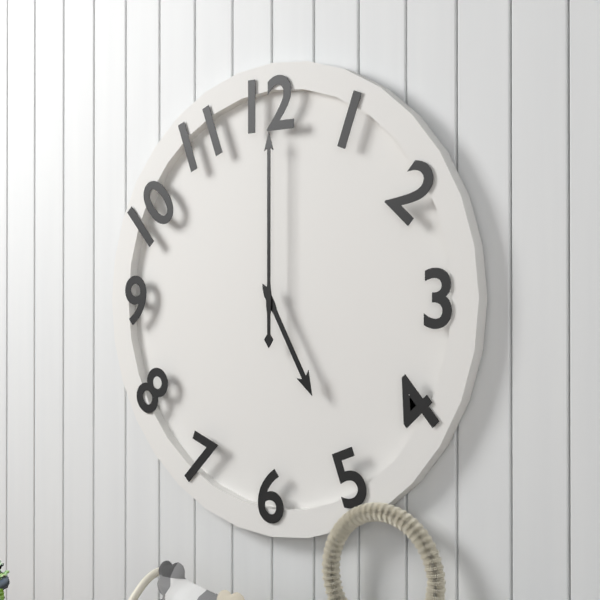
5:00
